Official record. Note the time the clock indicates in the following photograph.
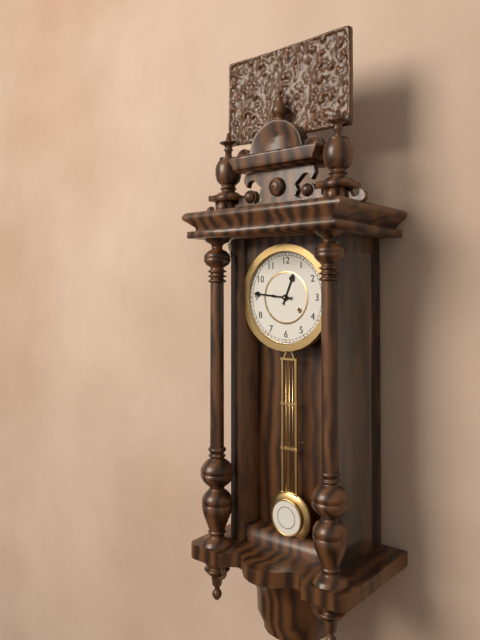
12:46
